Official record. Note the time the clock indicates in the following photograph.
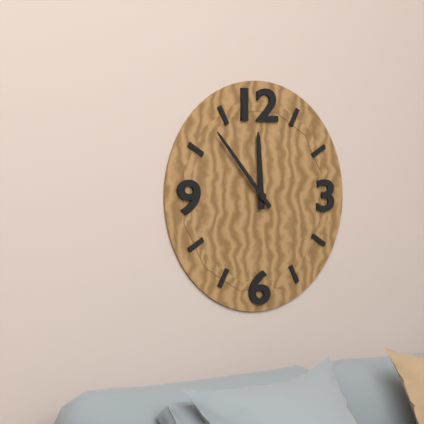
11:53
